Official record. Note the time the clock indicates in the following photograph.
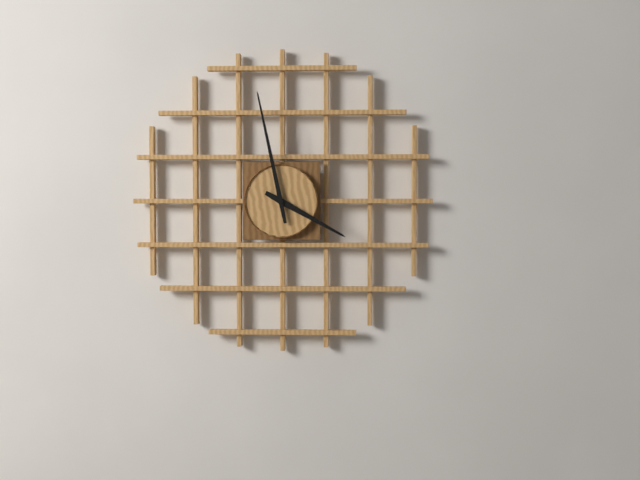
3:58
